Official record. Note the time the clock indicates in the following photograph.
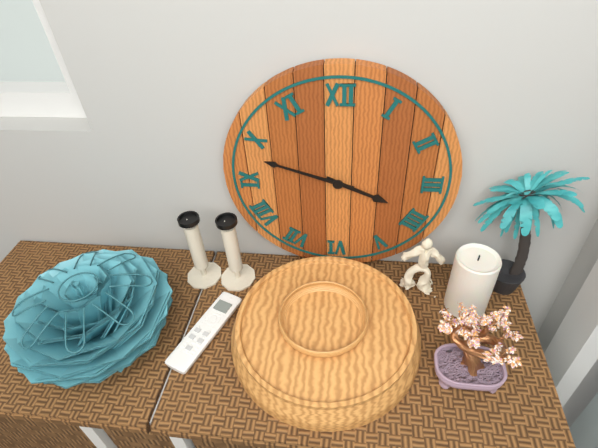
3:48
